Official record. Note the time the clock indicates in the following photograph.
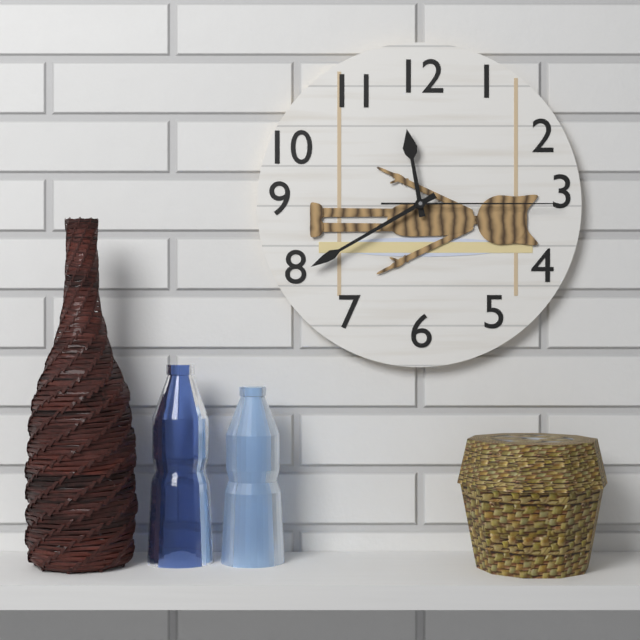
11:40:15
